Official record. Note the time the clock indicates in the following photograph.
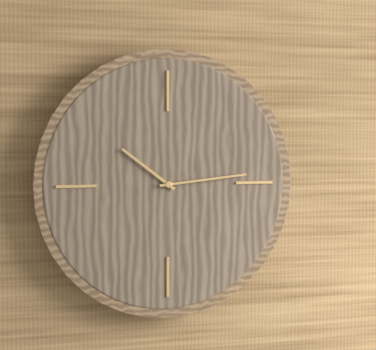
10:14
